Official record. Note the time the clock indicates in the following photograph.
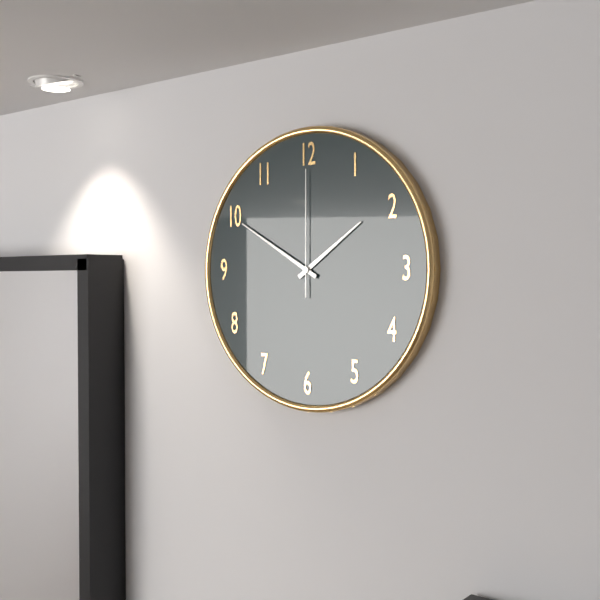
1:50:00
